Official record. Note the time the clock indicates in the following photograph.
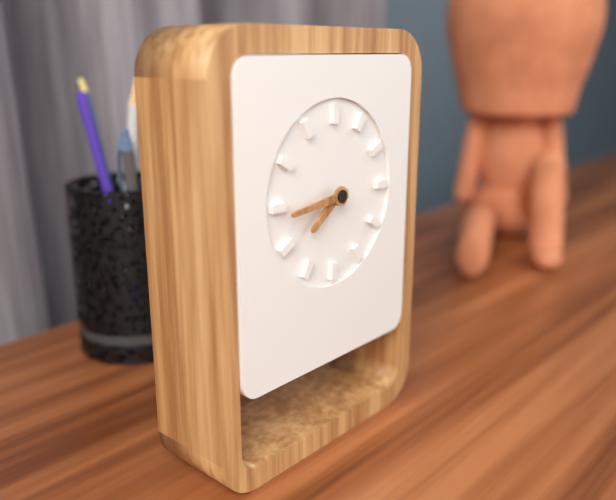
7:44
